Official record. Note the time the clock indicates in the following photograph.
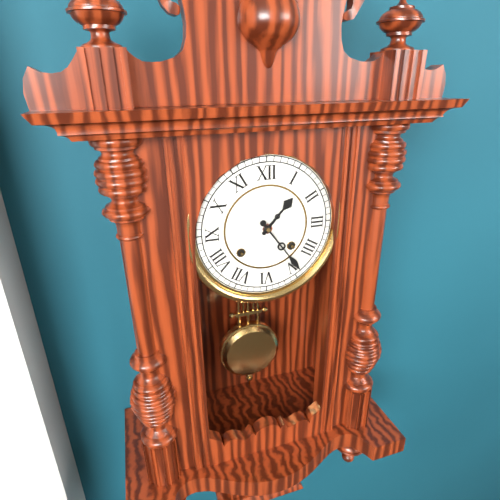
1:24
